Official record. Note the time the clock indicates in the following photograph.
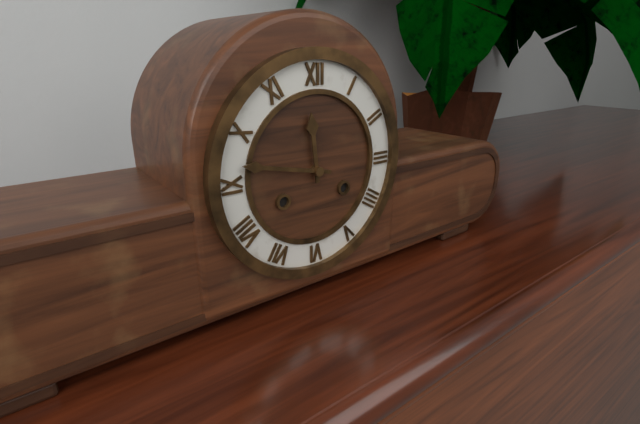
11:47
